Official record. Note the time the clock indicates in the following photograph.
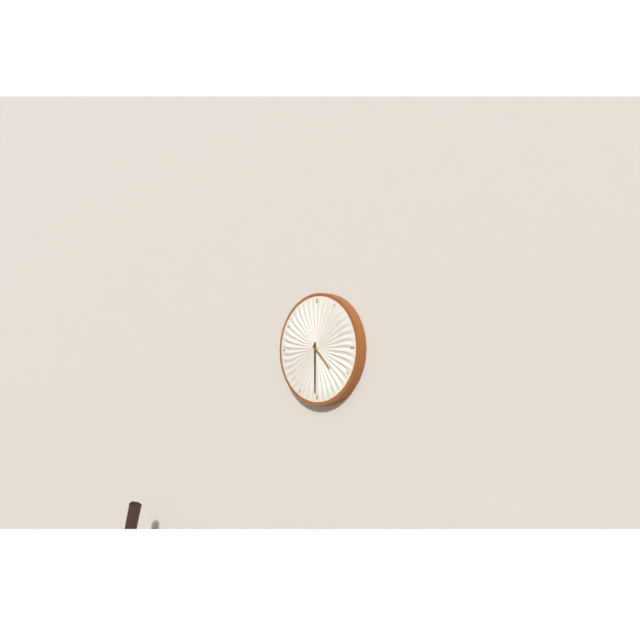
4:30
